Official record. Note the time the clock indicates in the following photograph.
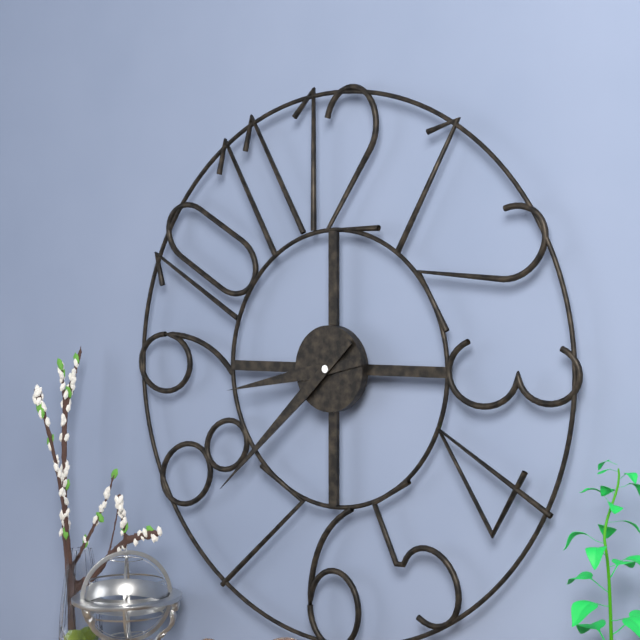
8:38
